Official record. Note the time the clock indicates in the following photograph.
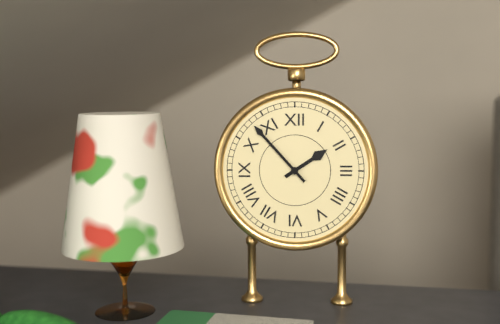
1:53
